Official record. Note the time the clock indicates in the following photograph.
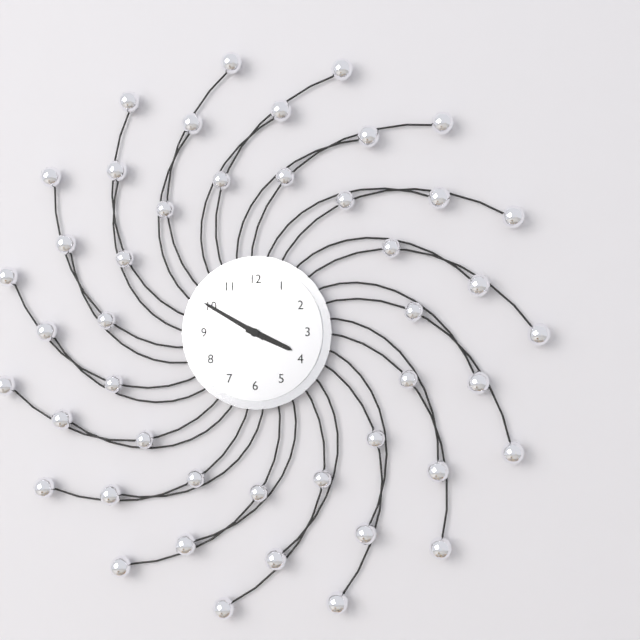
3:50
